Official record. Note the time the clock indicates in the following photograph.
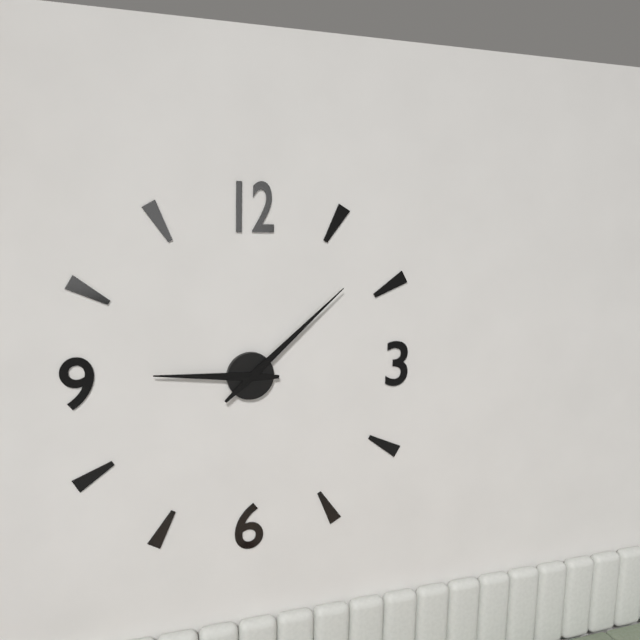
9:08
